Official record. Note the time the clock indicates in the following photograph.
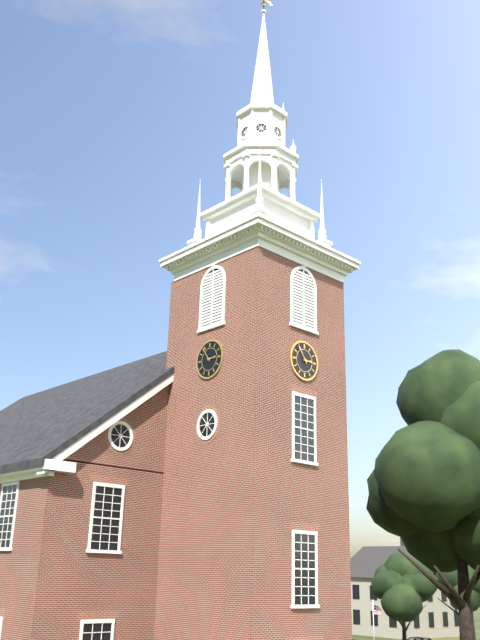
2:54
